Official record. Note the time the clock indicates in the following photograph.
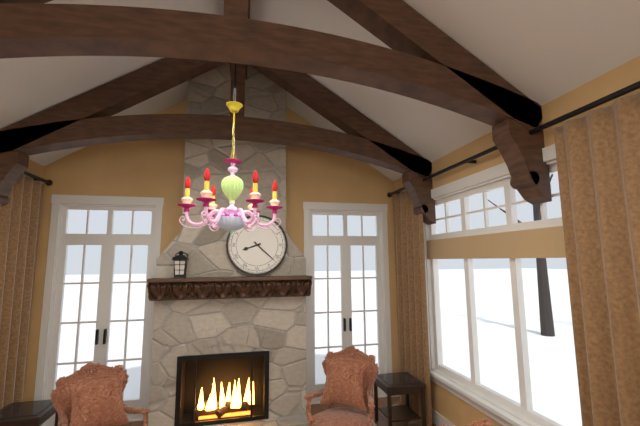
8:22
